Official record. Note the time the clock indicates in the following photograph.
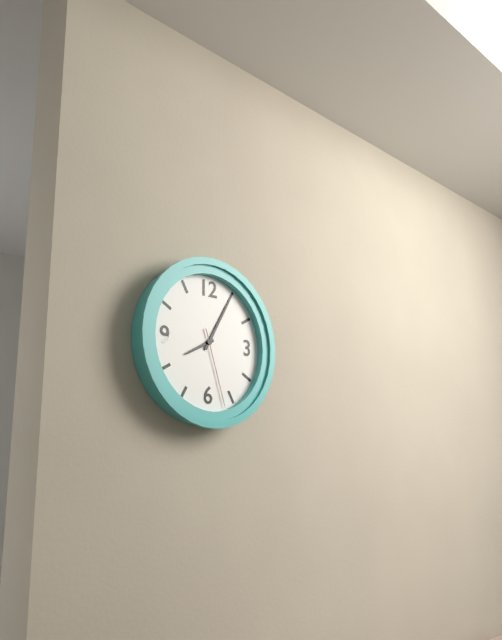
8:05:27
